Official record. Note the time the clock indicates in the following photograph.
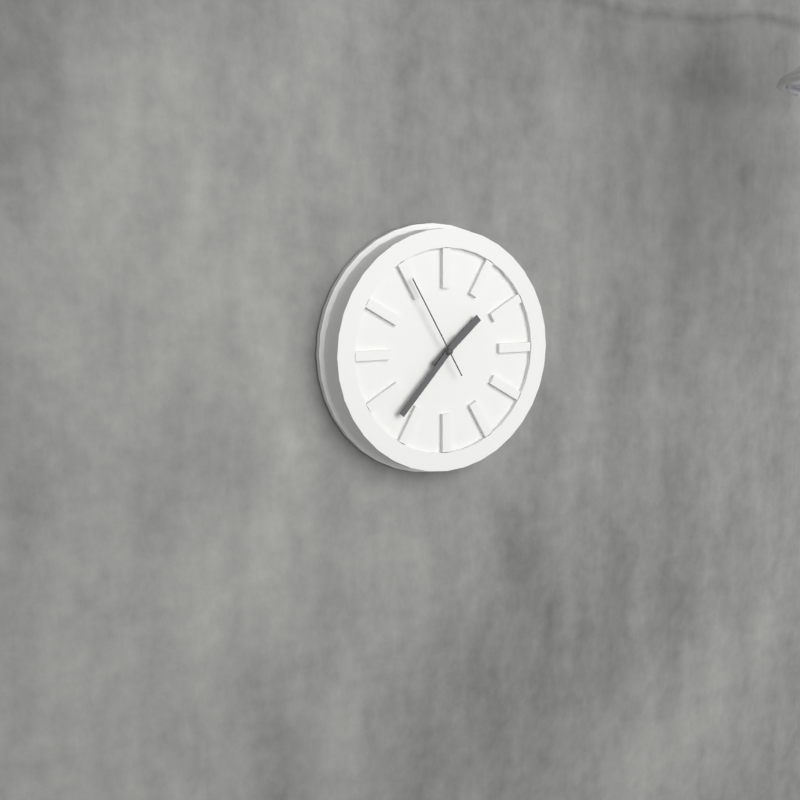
1:37:55
